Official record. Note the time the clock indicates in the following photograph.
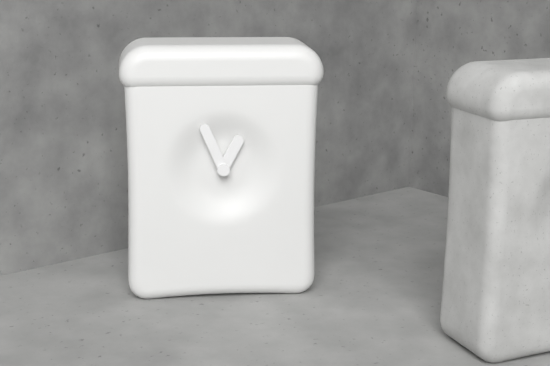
12:56
